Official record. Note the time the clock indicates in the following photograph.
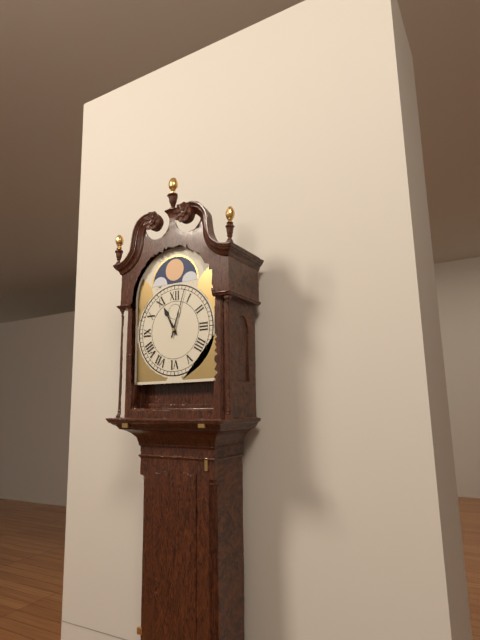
11:03
